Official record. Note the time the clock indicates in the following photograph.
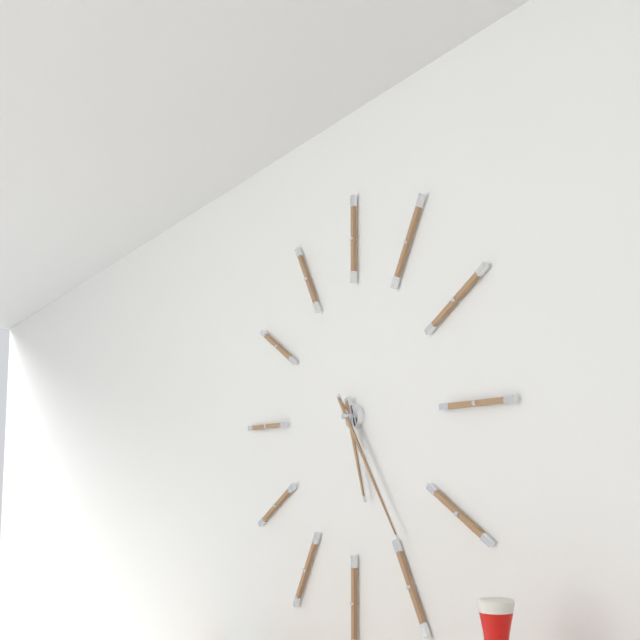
5:24
